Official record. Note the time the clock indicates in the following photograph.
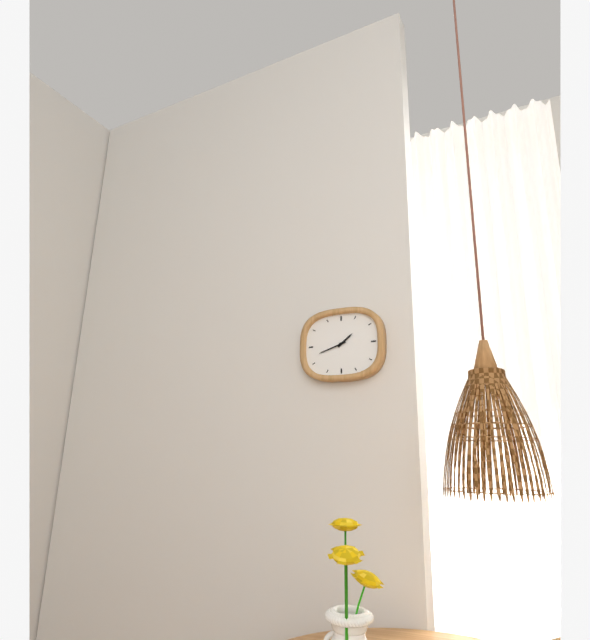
1:42
